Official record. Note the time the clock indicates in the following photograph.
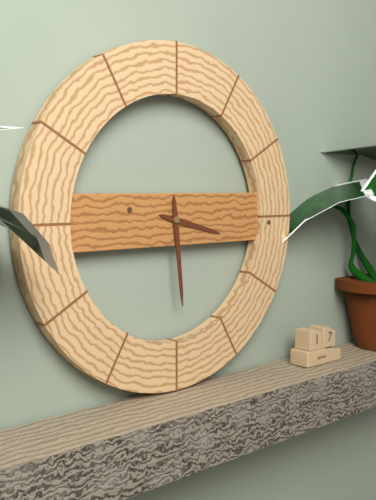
3:29
